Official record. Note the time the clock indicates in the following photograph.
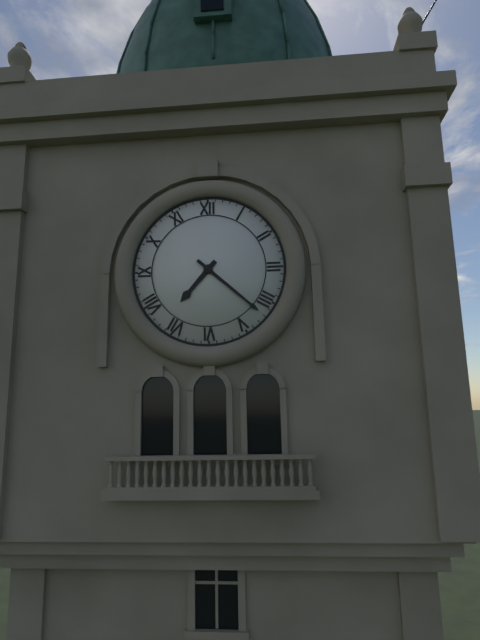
7:22
